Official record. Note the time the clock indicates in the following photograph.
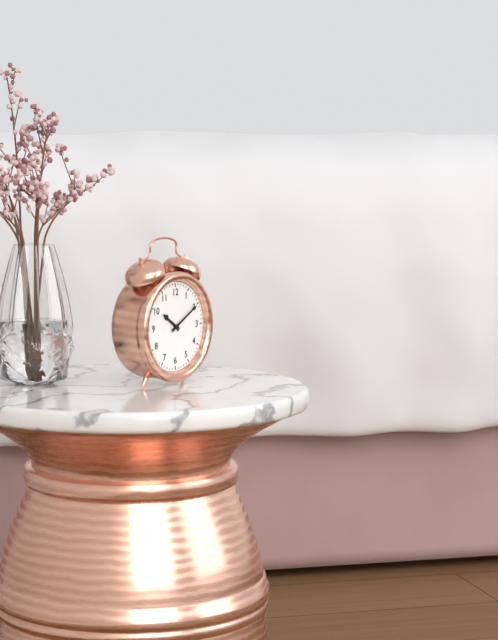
10:10
